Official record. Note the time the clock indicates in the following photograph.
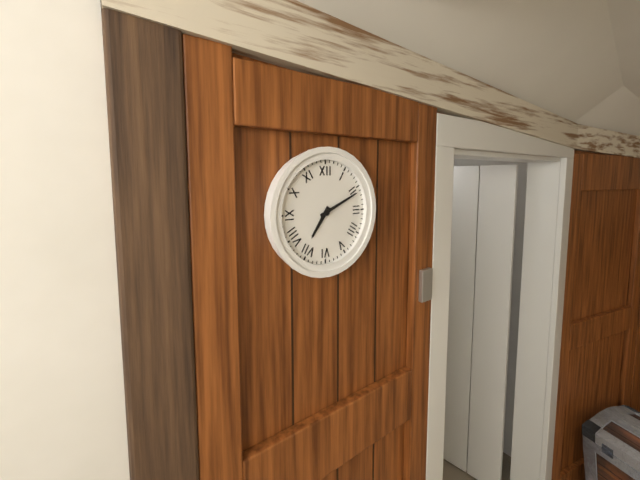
7:11
